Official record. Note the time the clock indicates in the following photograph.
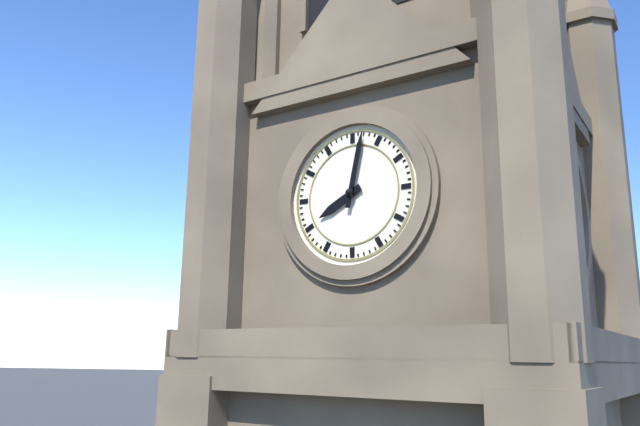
8:02
